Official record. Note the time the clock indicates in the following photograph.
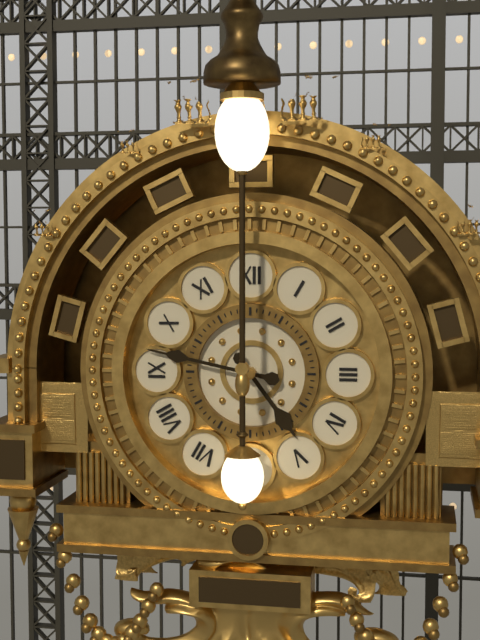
4:47
